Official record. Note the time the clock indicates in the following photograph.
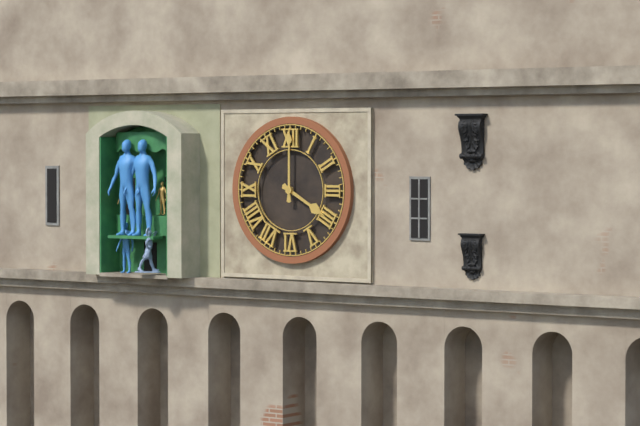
4:00
